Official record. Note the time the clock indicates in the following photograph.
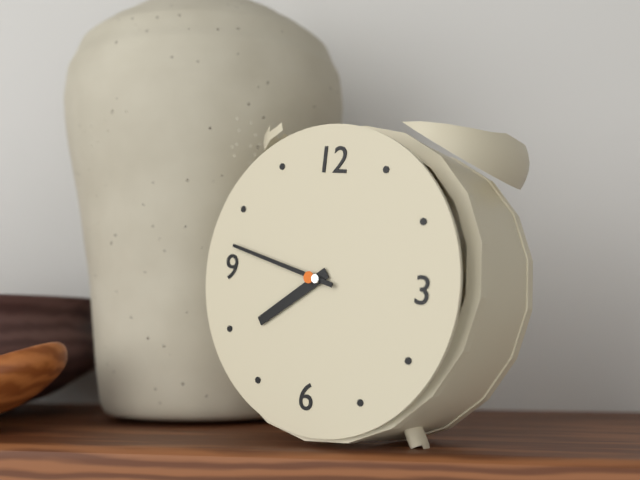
7:47
